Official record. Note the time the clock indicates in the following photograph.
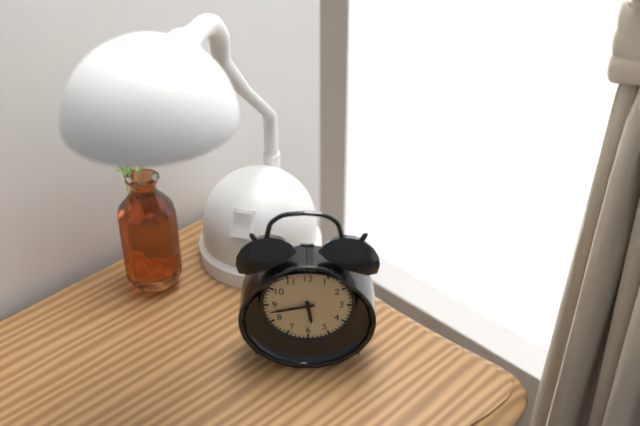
5:43
